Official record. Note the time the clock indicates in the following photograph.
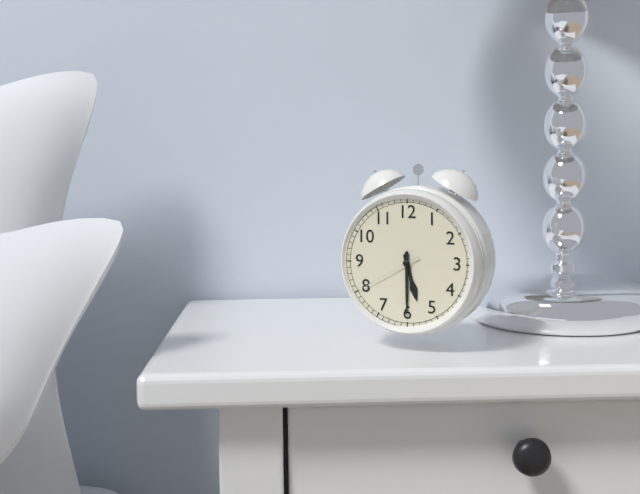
5:30:40
